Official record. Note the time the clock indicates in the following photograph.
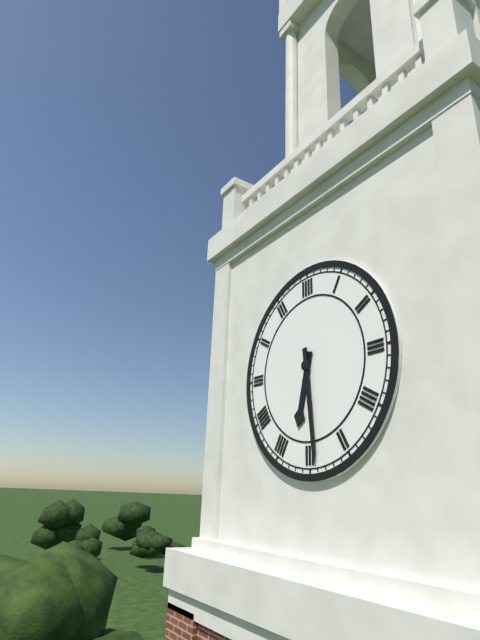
6:29
